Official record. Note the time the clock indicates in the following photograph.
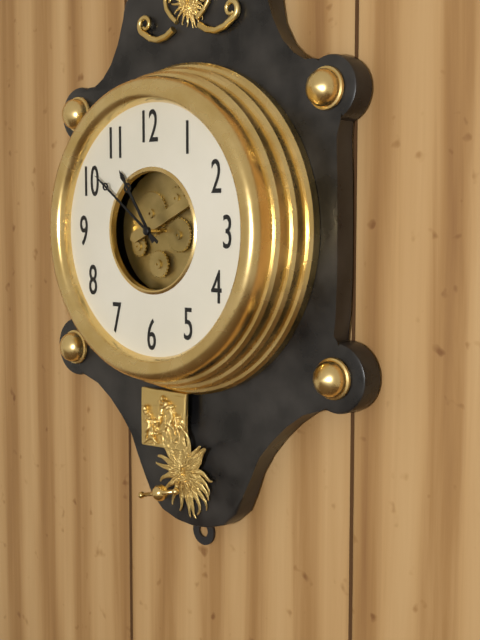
10:51
